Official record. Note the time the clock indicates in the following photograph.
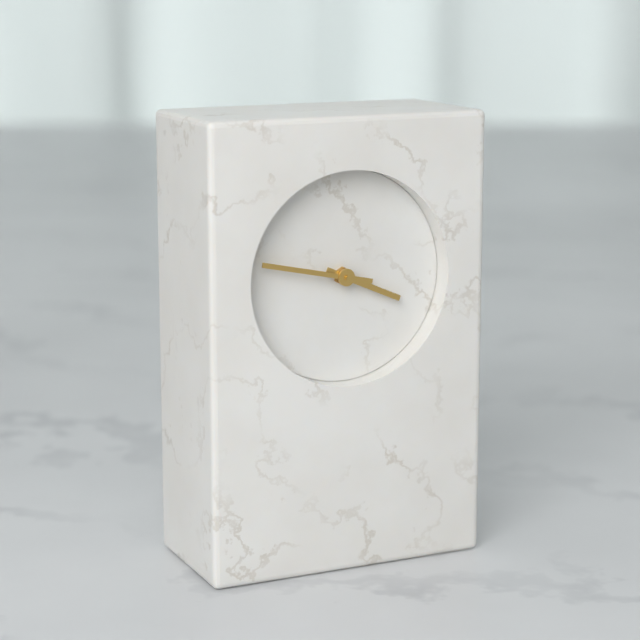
3:47
